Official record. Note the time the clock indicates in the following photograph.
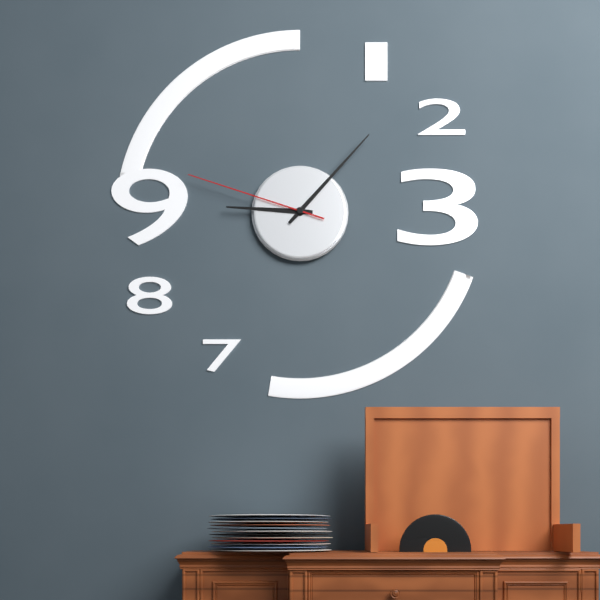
9:07:48
